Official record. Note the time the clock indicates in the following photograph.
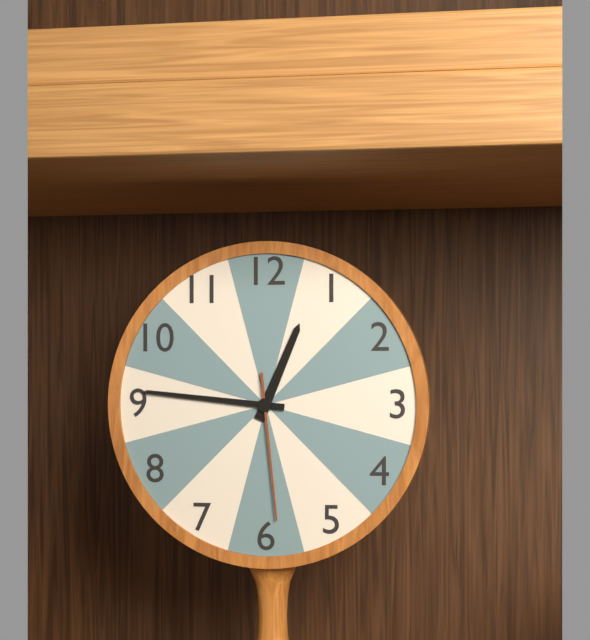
12:46:29
